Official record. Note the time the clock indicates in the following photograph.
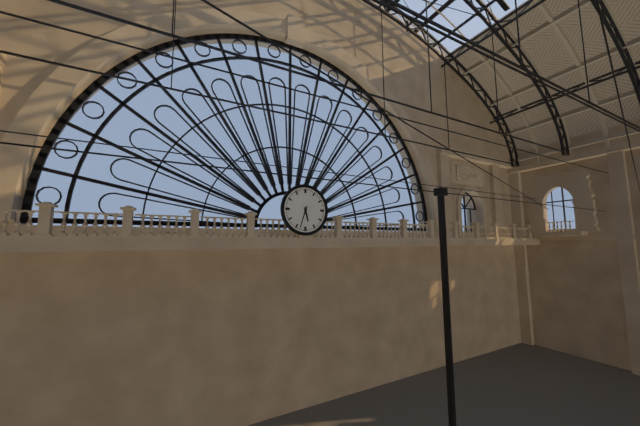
5:33
